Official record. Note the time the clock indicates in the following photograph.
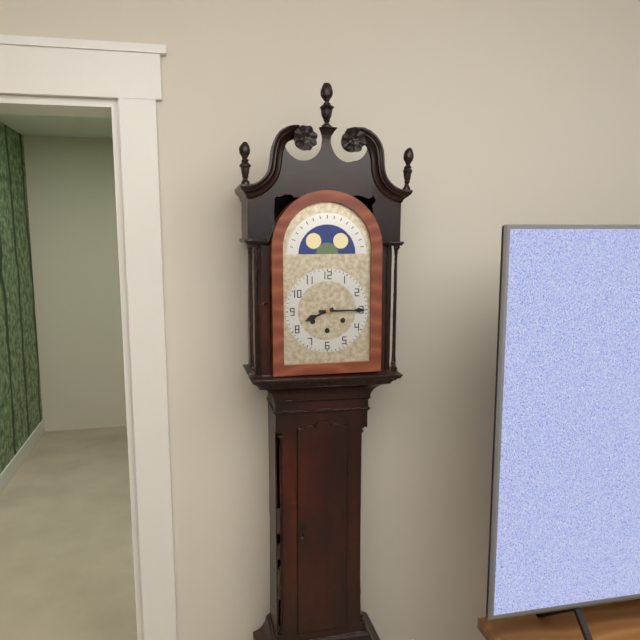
8:15
